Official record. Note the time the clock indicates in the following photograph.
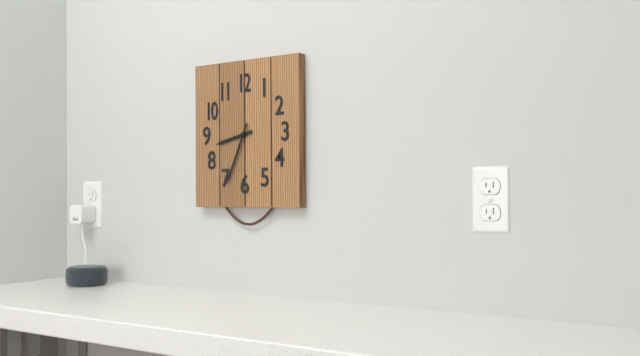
8:34
